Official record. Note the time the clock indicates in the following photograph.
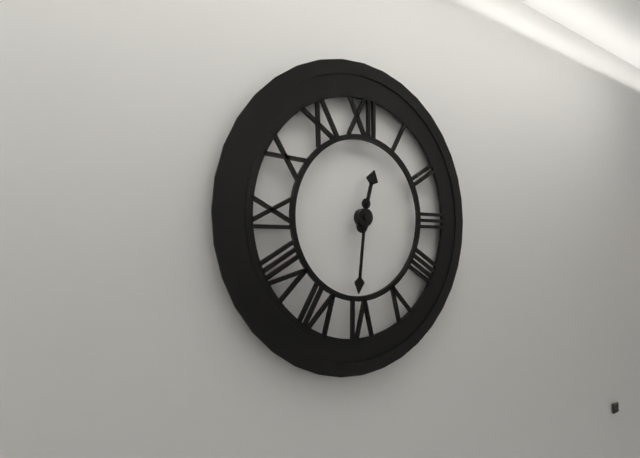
12:31
